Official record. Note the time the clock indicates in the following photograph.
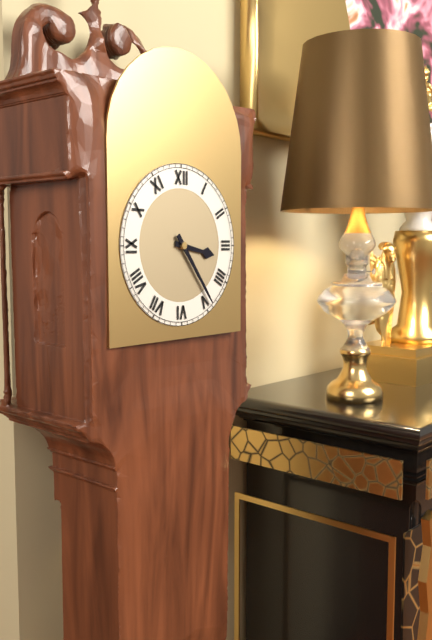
3:24
